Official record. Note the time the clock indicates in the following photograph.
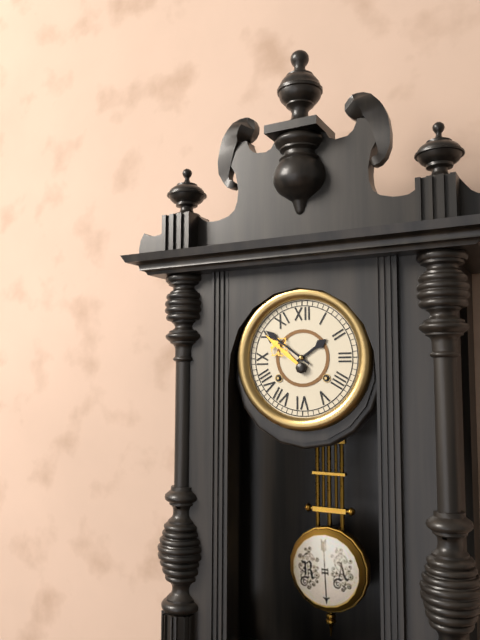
1:51
